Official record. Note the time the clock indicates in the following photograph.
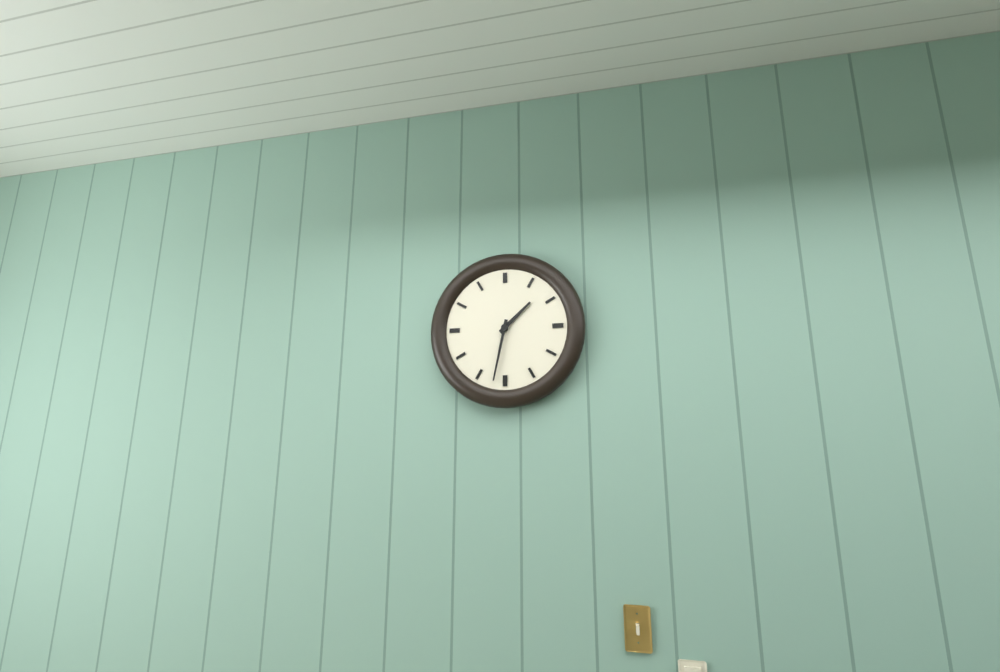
1:32
